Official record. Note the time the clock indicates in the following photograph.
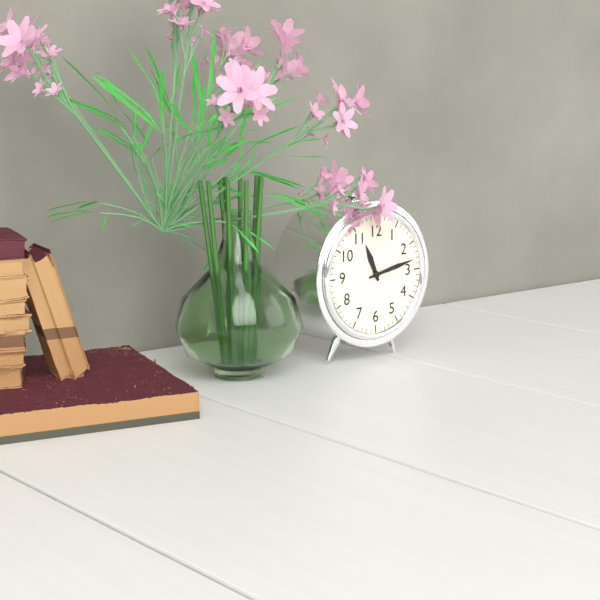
11:13
